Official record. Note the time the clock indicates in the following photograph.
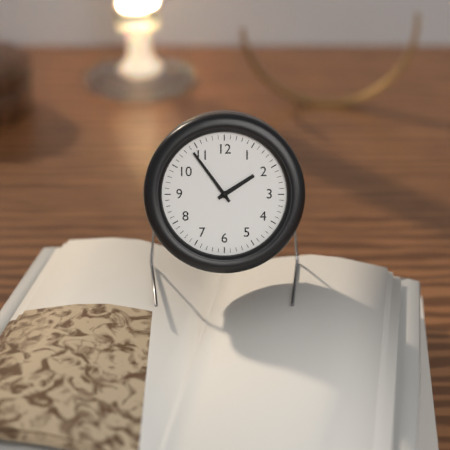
1:54
